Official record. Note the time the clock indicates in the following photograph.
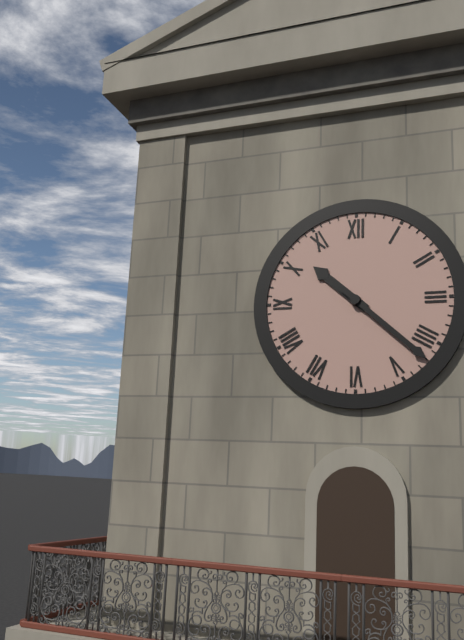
10:22
